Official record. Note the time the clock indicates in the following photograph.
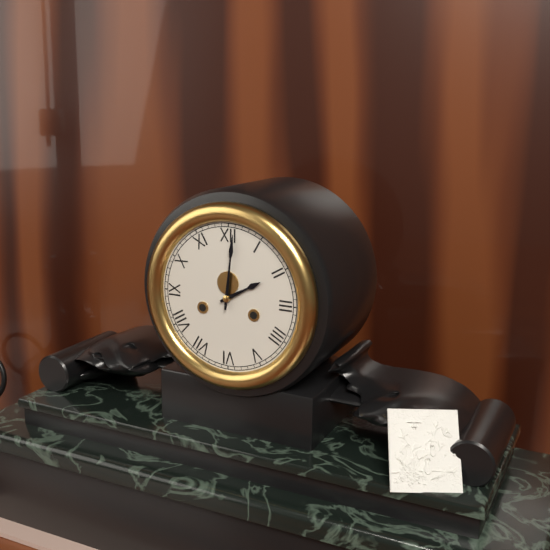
2:01
